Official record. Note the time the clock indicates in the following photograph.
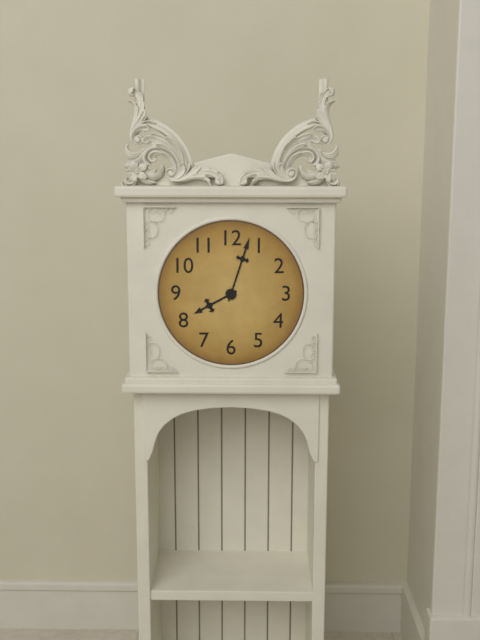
8:03
